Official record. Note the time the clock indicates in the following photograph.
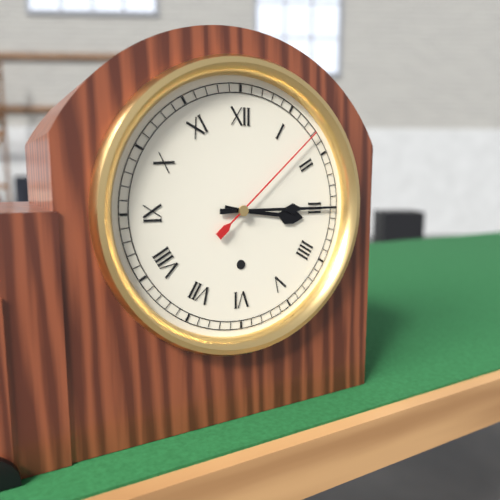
3:15:08
